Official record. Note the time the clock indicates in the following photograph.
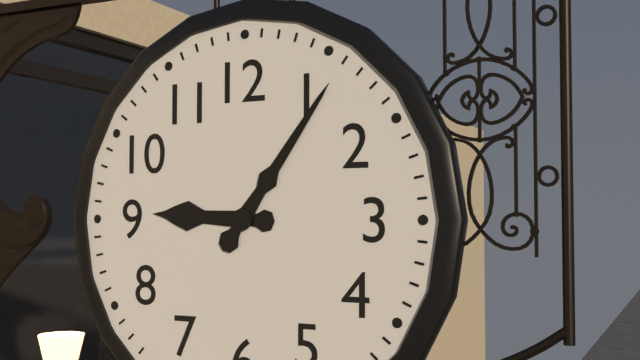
9:06
